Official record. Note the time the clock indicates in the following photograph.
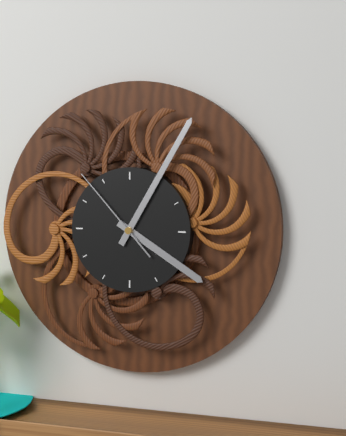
4:05:53
